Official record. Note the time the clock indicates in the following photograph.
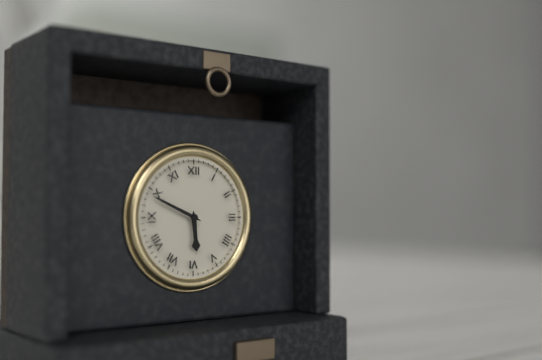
5:49
